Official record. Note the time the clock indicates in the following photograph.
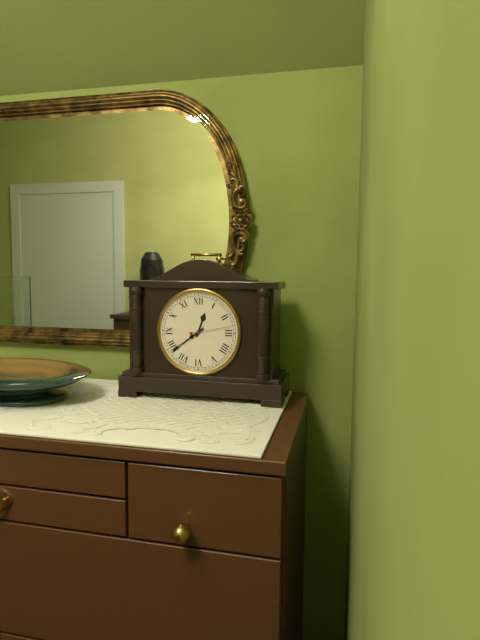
12:39
